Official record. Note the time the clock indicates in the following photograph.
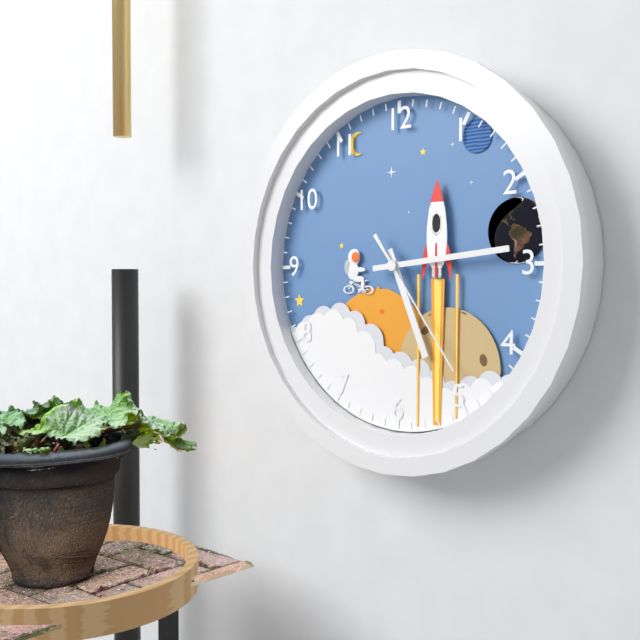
5:14:24
